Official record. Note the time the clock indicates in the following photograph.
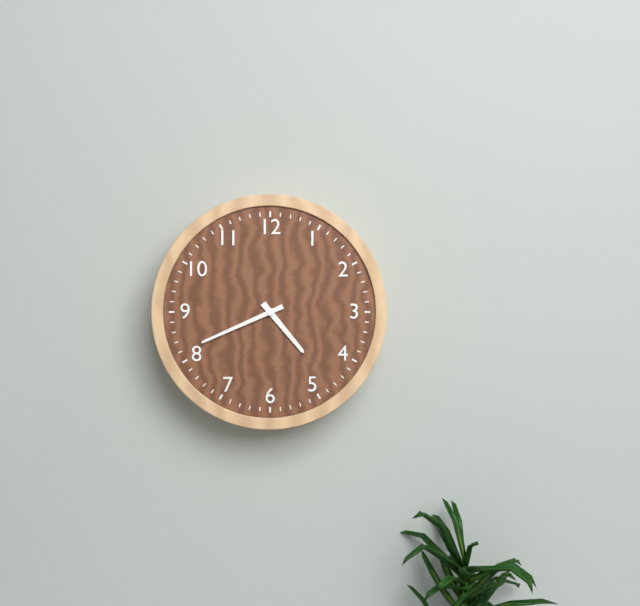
4:41
